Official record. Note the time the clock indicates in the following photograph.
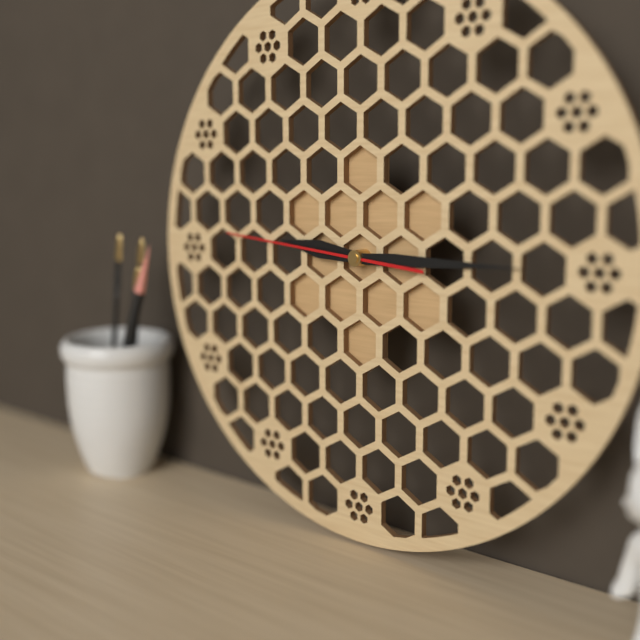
9:15:46
